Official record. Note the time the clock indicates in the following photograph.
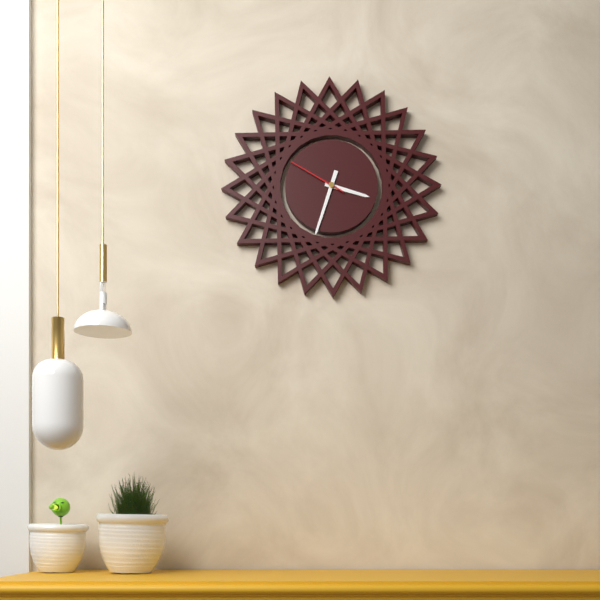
3:33:50
